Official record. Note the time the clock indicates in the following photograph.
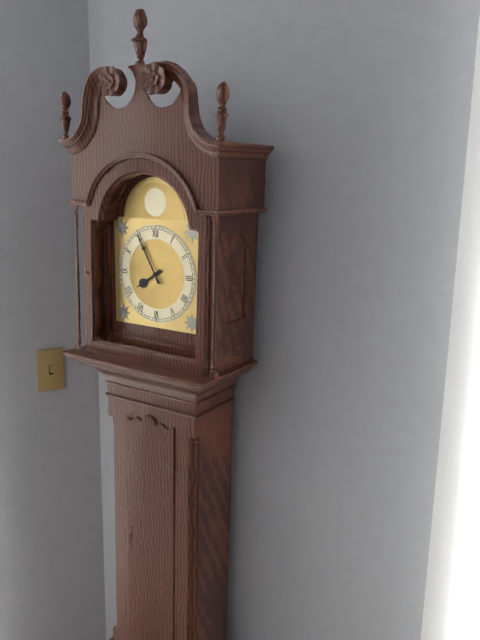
7:55
